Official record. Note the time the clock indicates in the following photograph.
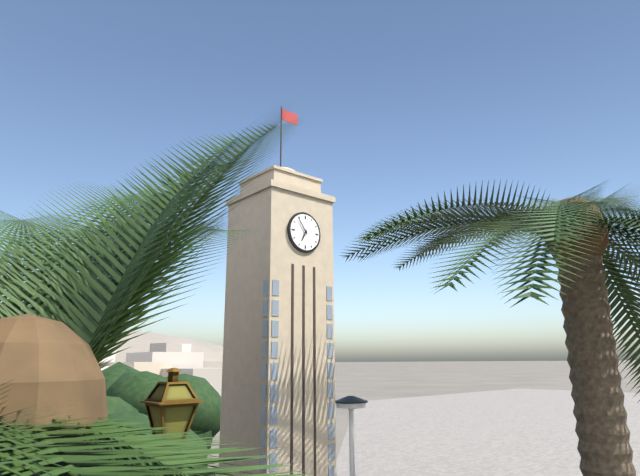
6:54
